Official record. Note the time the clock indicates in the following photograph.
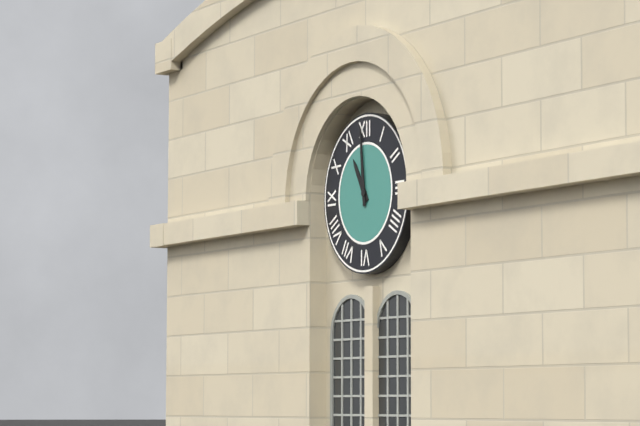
10:59
